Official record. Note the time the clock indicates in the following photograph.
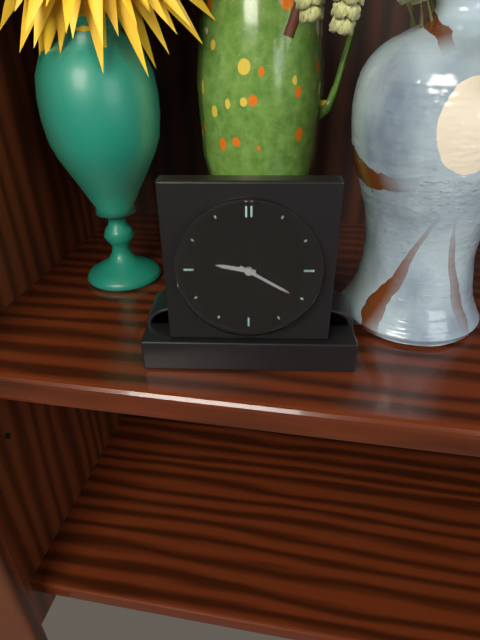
9:20
